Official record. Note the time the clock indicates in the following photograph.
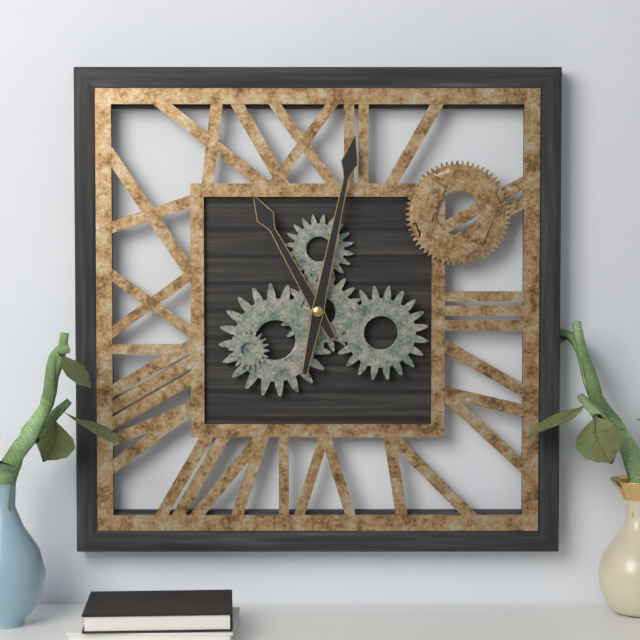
11:02
